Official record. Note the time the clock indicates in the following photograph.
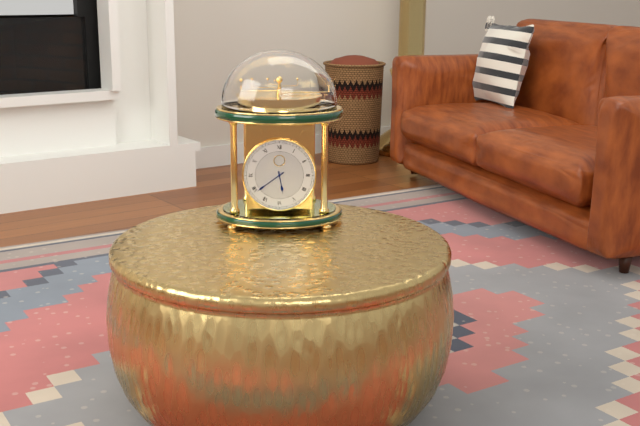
5:39
